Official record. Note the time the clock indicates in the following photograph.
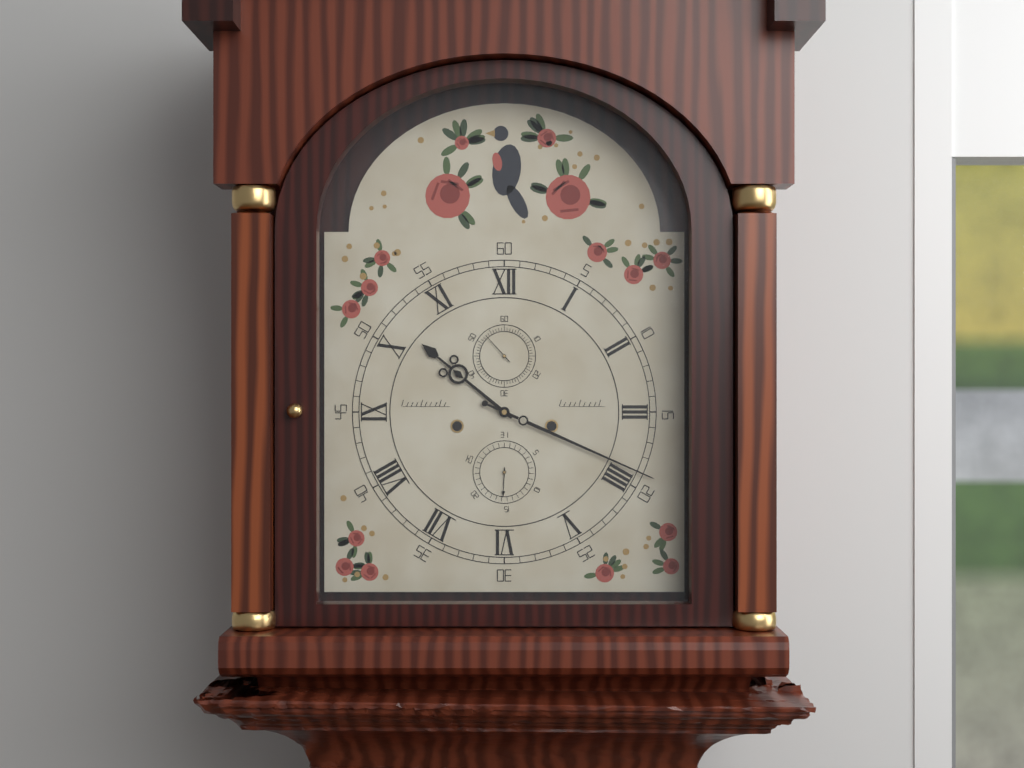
10:19
